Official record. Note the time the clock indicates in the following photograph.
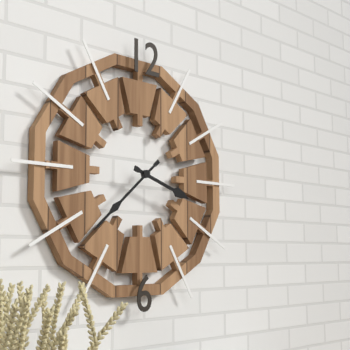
3:38
